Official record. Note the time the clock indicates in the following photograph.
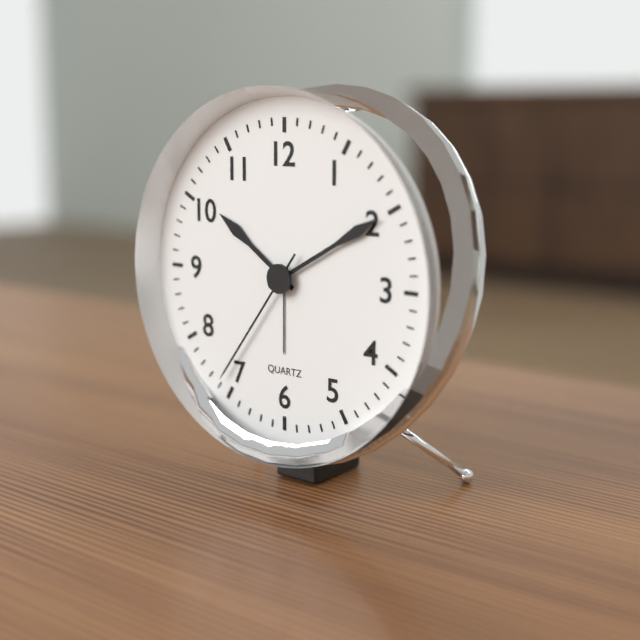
10:10:36
